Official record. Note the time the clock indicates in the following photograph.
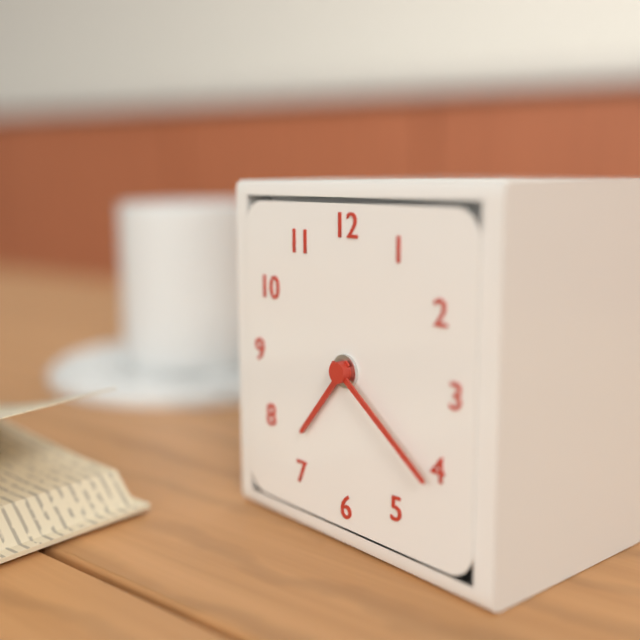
7:21
